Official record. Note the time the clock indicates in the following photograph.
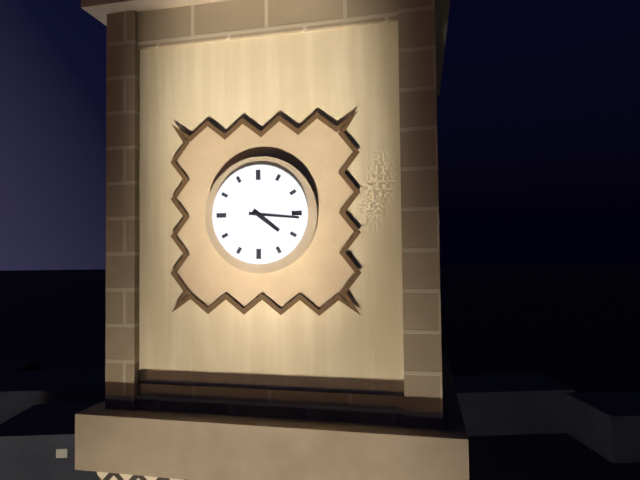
4:16
